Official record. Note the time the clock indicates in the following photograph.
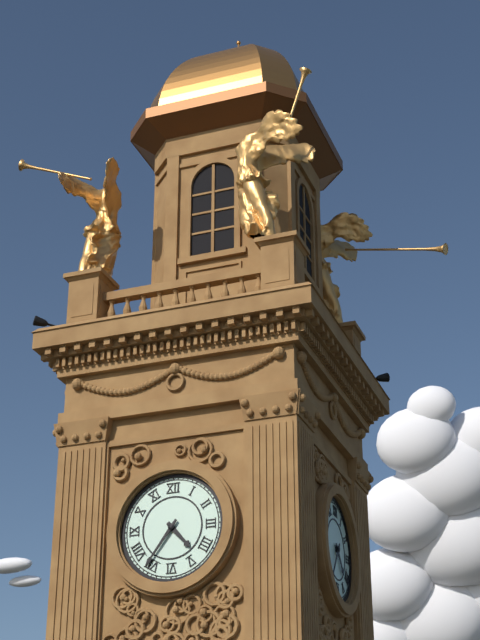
4:36
